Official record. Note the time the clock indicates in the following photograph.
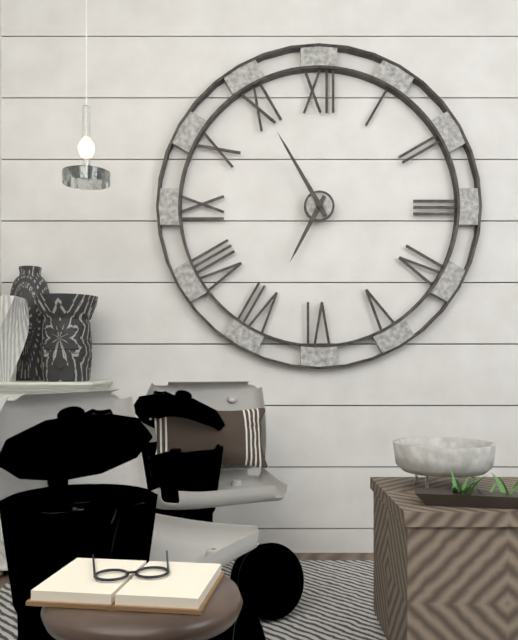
6:55
